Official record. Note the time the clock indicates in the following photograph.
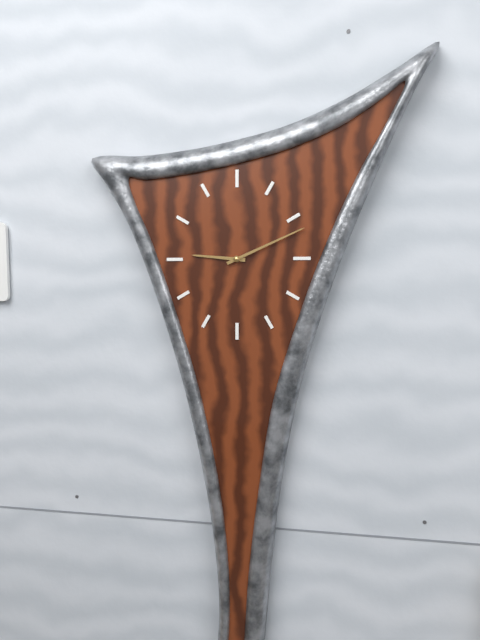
9:11
